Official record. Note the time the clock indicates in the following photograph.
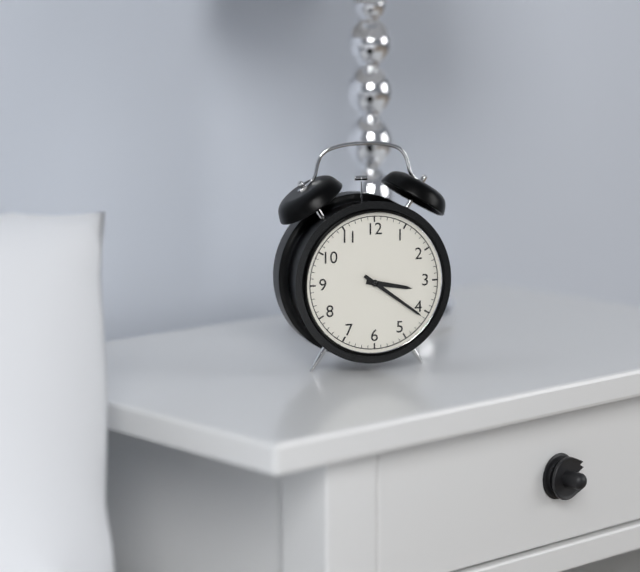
3:21
